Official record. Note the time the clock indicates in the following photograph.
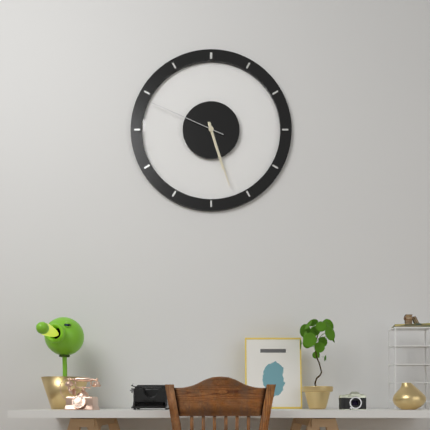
5:27:49
